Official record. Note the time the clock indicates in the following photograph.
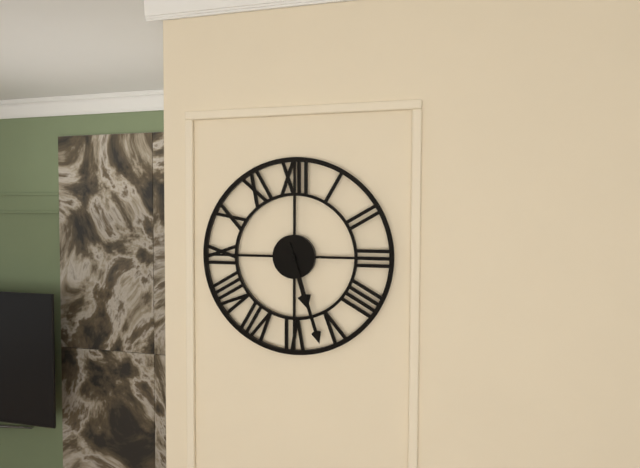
5:27
